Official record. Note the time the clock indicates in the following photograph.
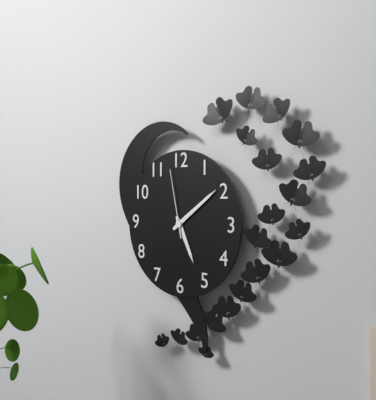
5:09:58
